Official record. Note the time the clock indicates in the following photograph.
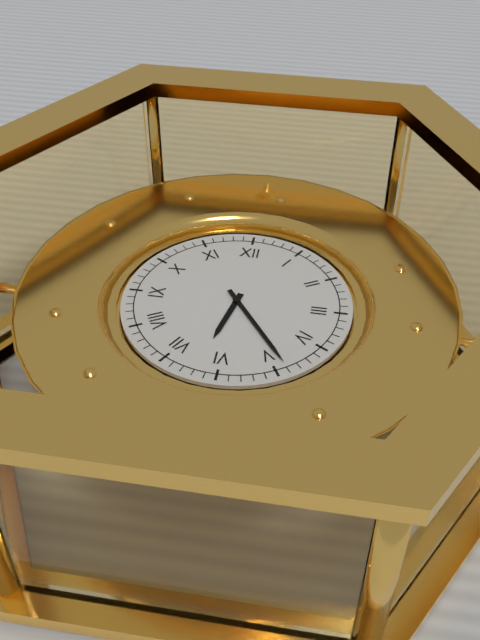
6:24
